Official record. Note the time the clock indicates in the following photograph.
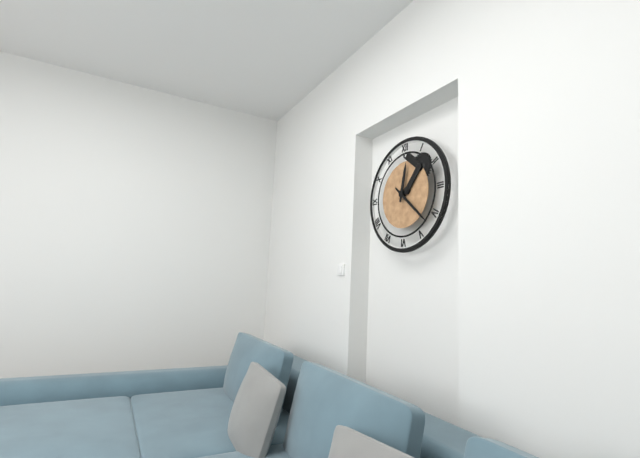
12:22
